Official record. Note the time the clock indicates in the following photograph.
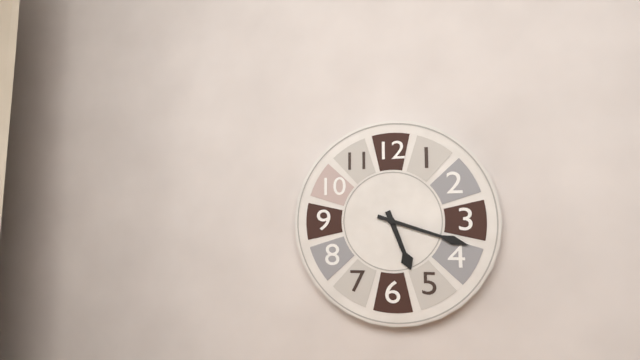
5:18
